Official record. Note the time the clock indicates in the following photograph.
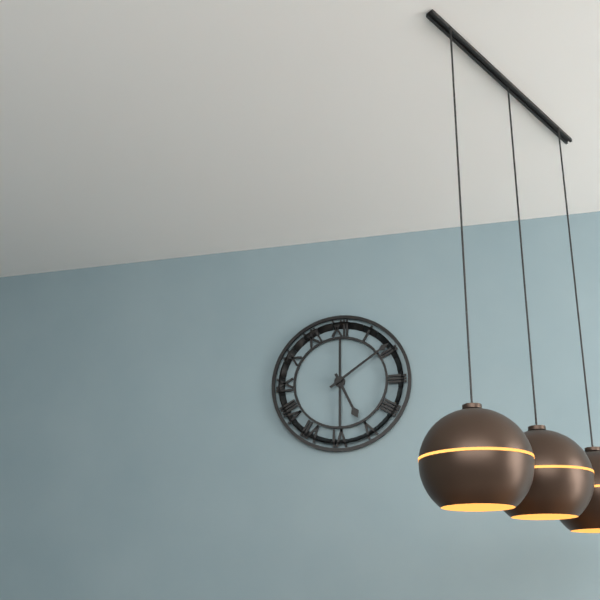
5:09
